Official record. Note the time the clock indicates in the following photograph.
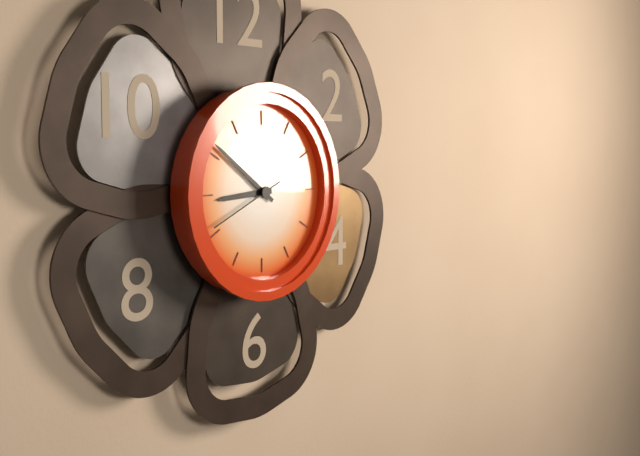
8:51:41
